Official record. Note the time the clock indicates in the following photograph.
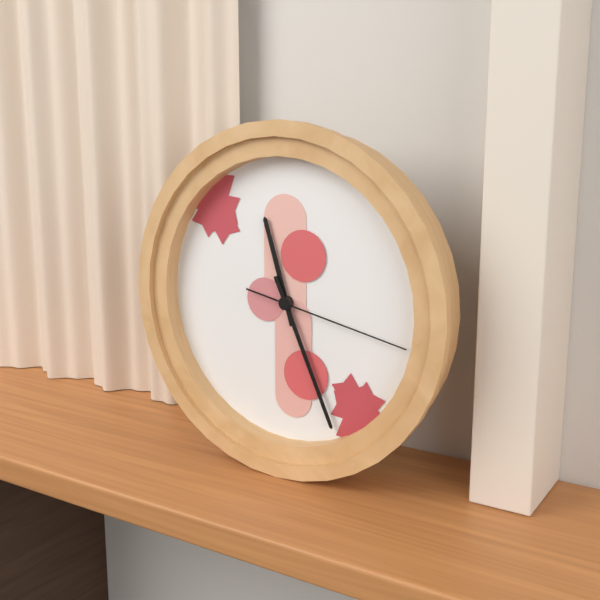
11:26:17
